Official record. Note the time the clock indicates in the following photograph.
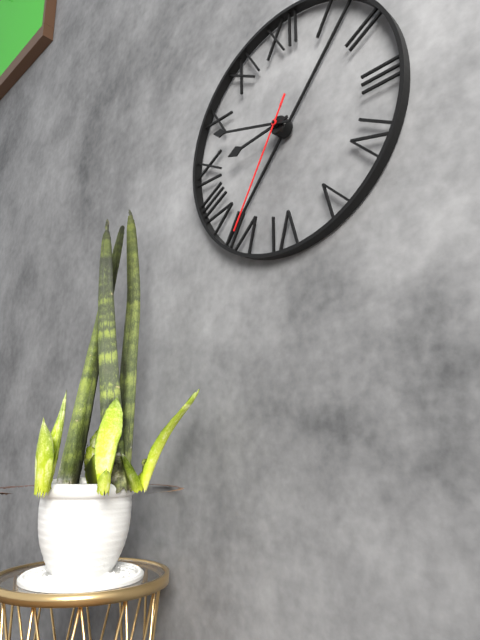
8:48:35
